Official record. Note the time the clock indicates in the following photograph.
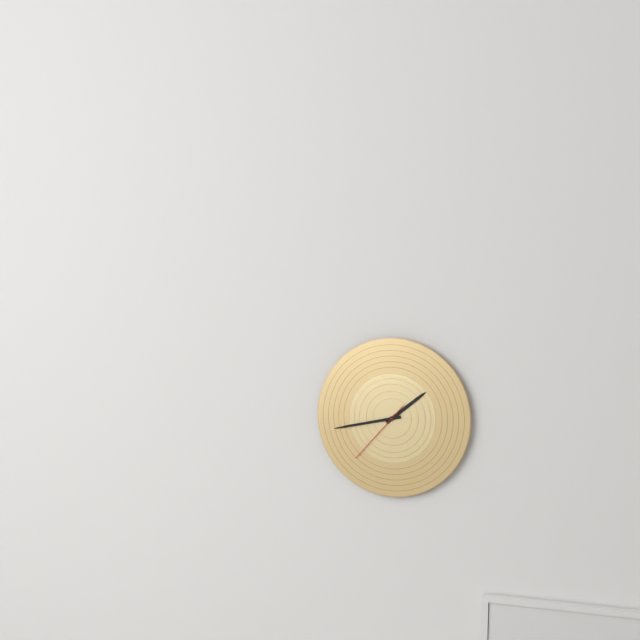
1:43:37
